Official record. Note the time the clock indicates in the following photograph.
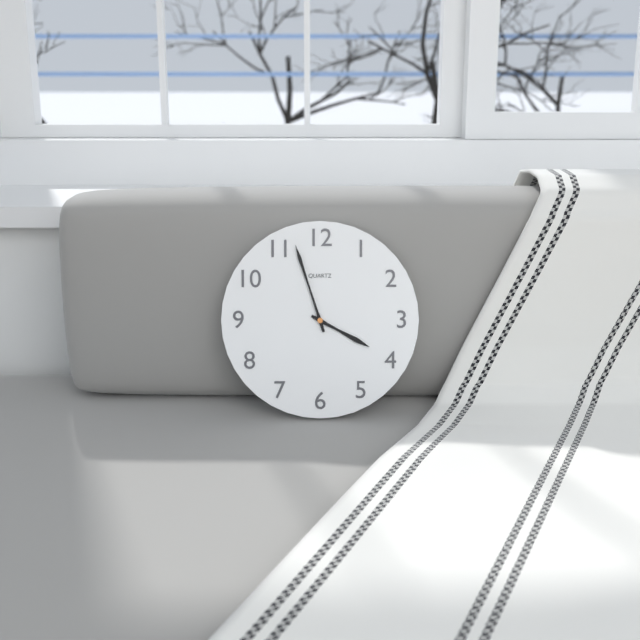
3:57
